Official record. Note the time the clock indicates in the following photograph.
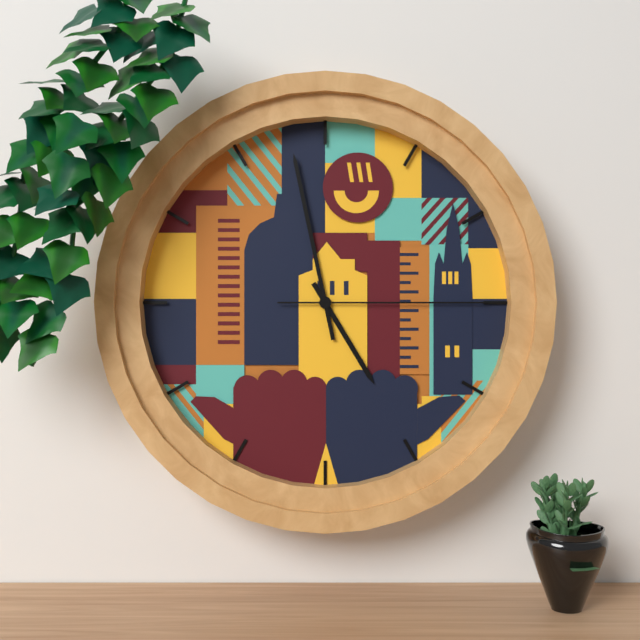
4:58:15
